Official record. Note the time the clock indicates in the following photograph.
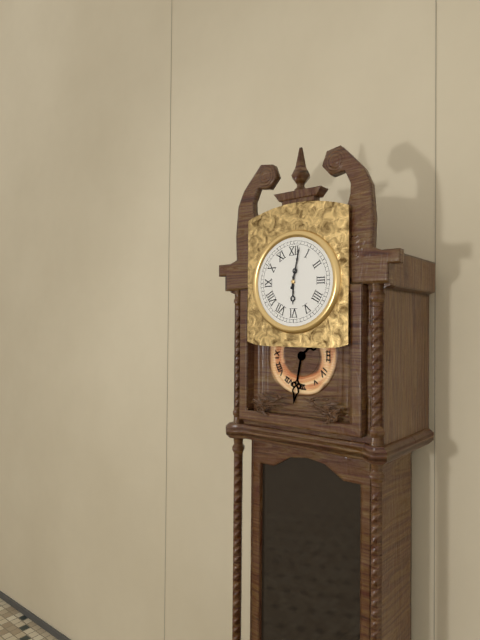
6:02
